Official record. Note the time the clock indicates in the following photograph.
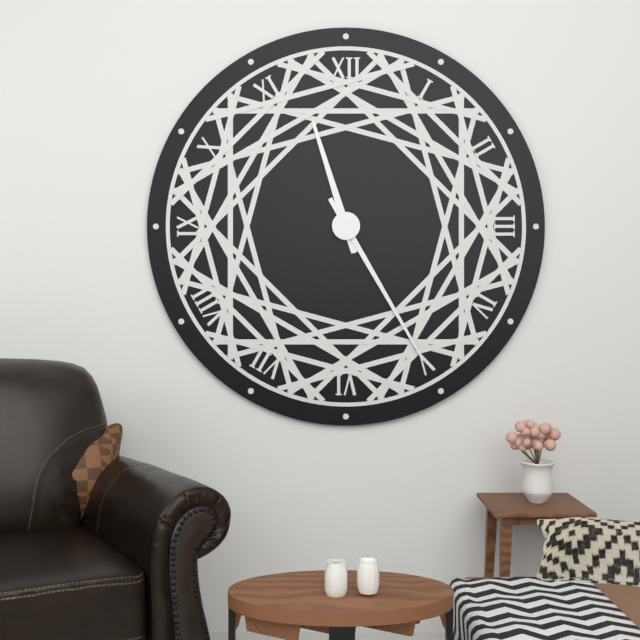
11:25
